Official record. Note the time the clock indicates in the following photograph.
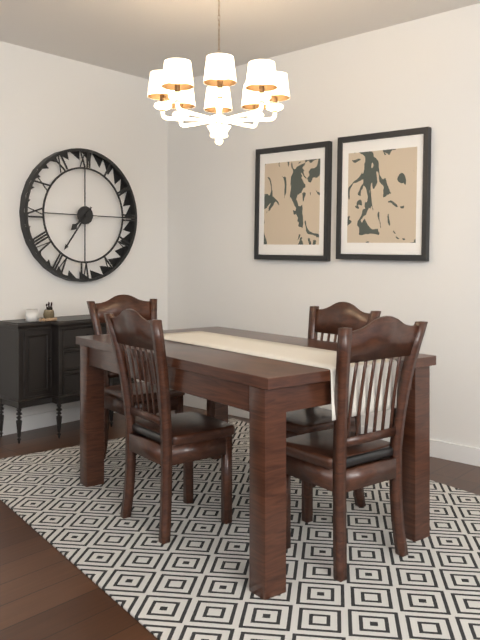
7:36
